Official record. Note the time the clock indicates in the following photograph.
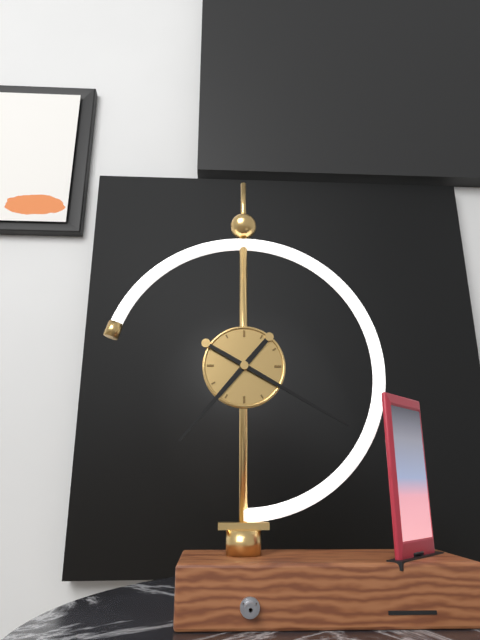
7:20
